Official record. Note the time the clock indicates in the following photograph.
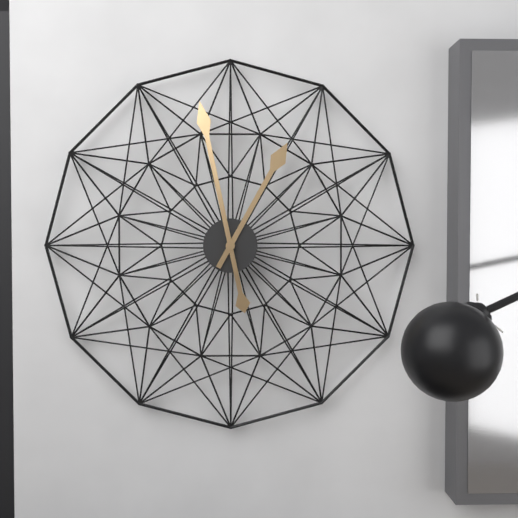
12:58
